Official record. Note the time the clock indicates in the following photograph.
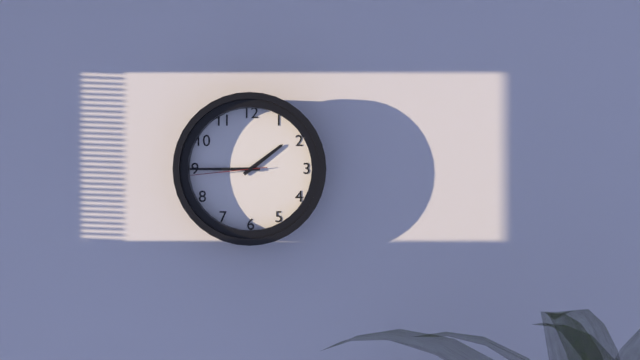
1:45:44
